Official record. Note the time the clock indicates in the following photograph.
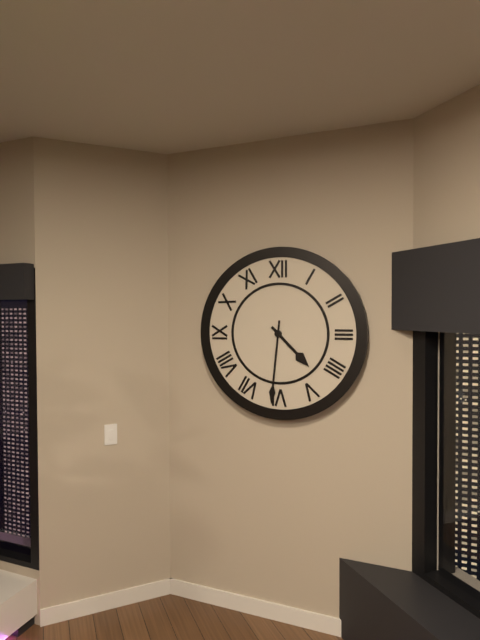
4:31
